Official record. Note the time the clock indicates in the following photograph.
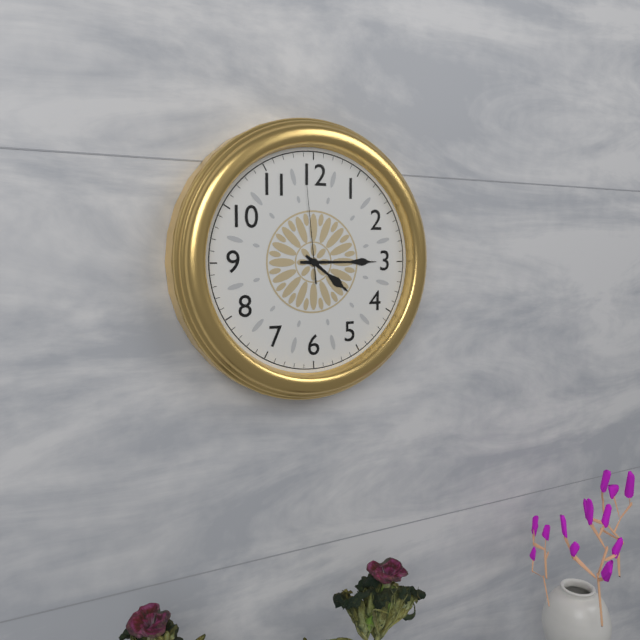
4:15:59
